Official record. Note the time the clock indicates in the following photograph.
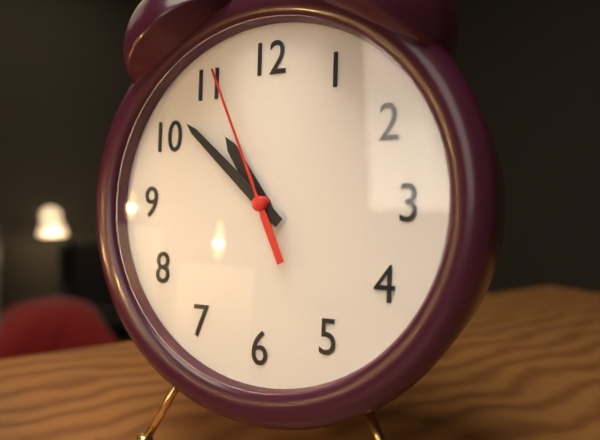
10:52:56
